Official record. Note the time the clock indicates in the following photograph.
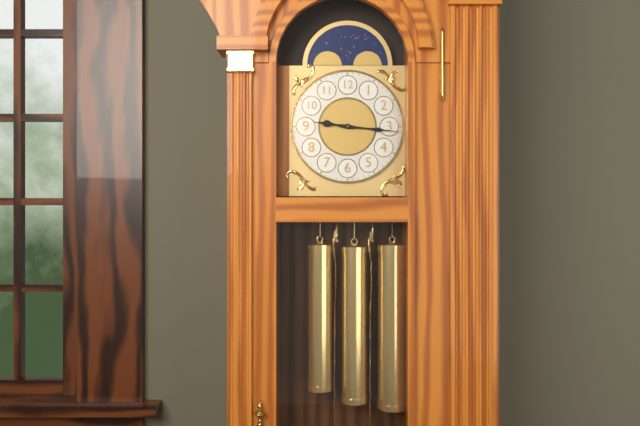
9:16
